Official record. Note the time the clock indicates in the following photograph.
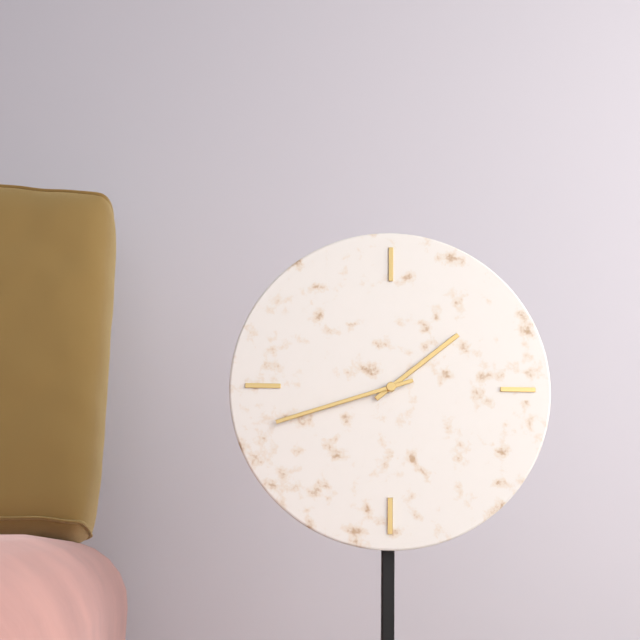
1:42
